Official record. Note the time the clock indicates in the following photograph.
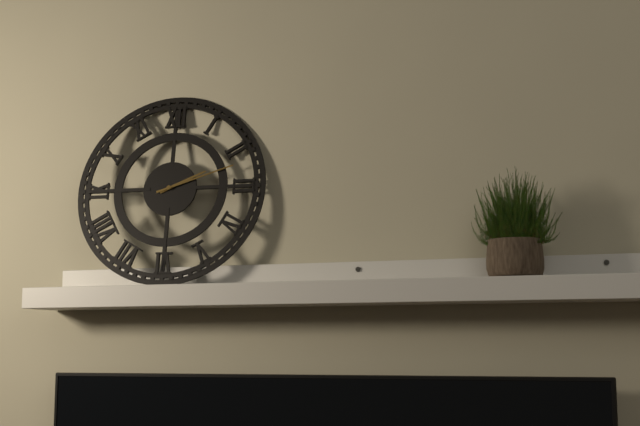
2:12
